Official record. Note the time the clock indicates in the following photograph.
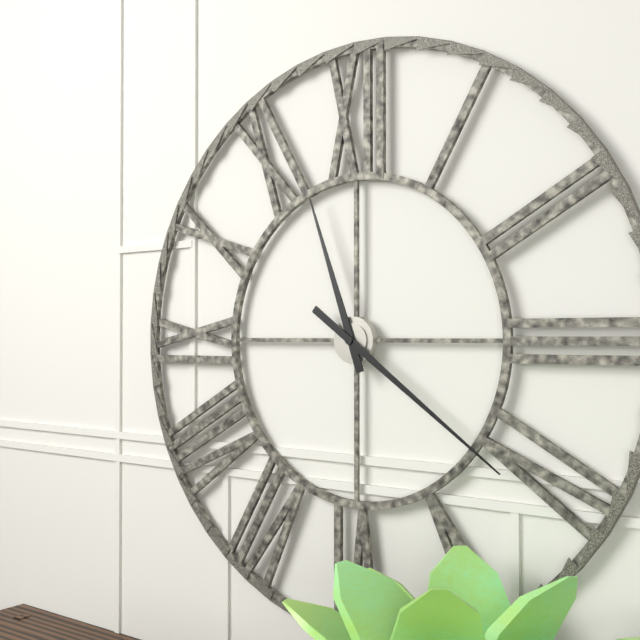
11:21
